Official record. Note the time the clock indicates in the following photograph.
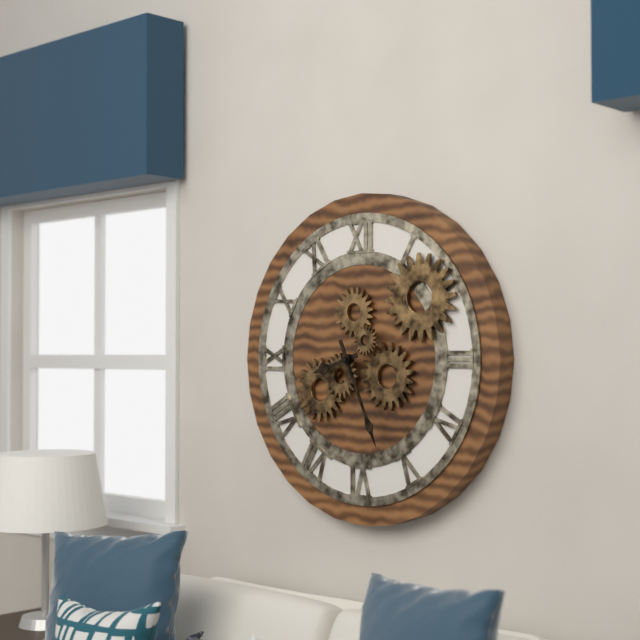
8:26
